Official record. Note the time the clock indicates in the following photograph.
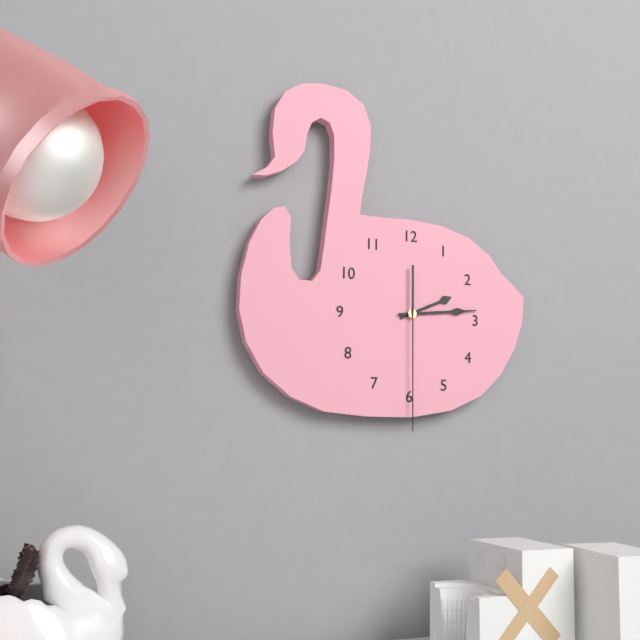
2:14:30
